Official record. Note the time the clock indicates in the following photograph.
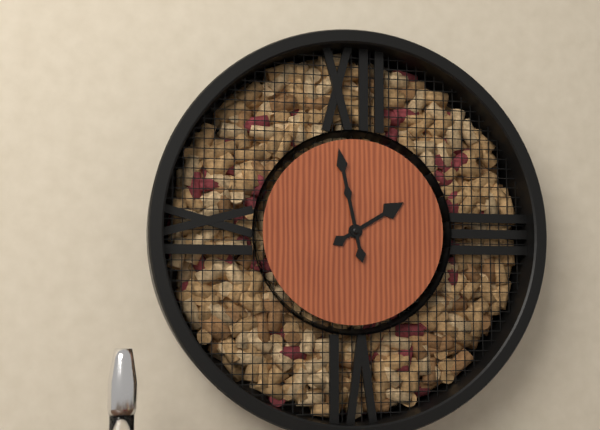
1:58
